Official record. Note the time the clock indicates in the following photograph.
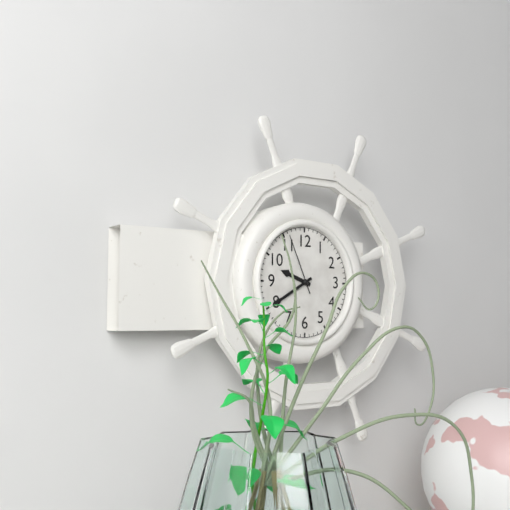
9:40:56
